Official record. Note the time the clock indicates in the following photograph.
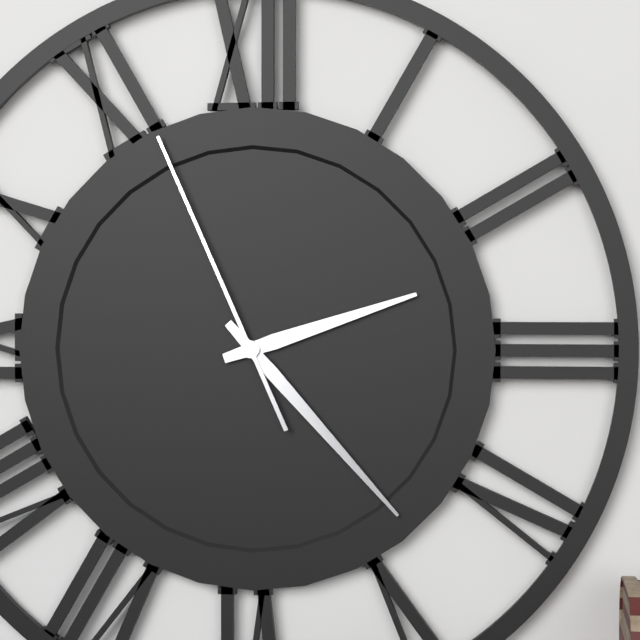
2:23:56
